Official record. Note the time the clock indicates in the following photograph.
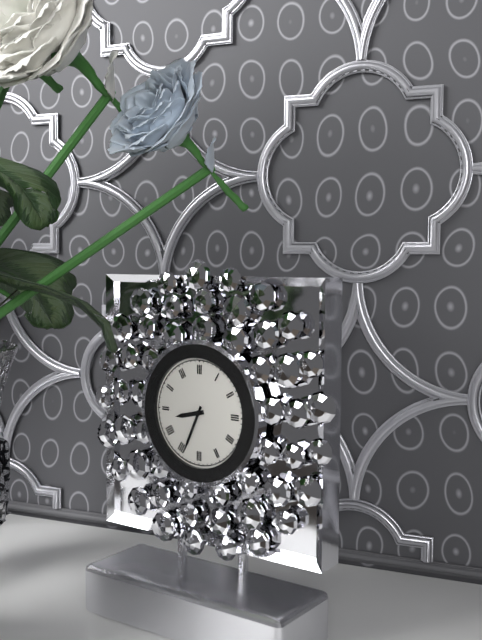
8:34
